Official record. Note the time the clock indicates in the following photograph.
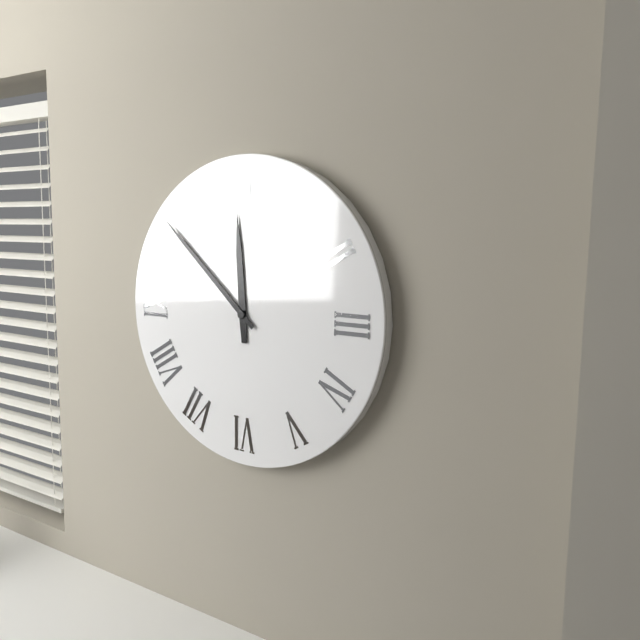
11:52
